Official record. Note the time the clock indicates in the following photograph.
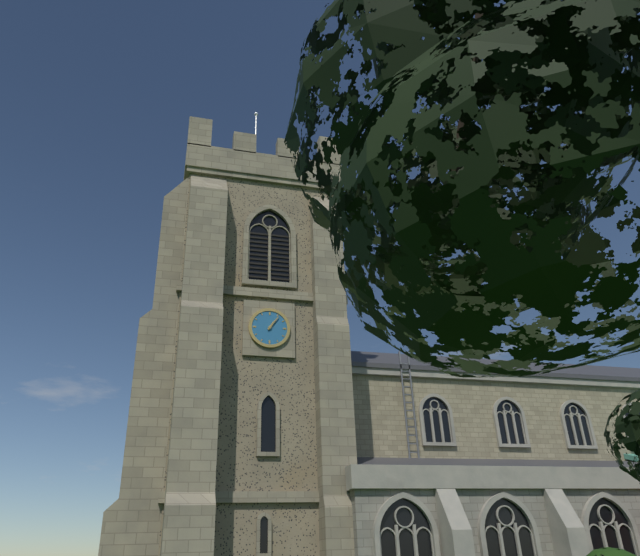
1:06
